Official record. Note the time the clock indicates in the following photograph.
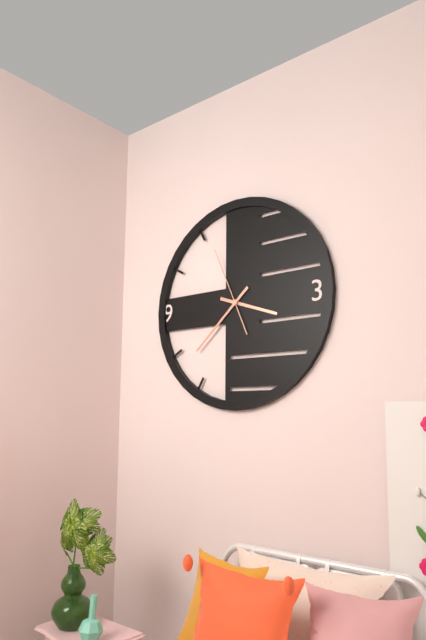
3:38:56
